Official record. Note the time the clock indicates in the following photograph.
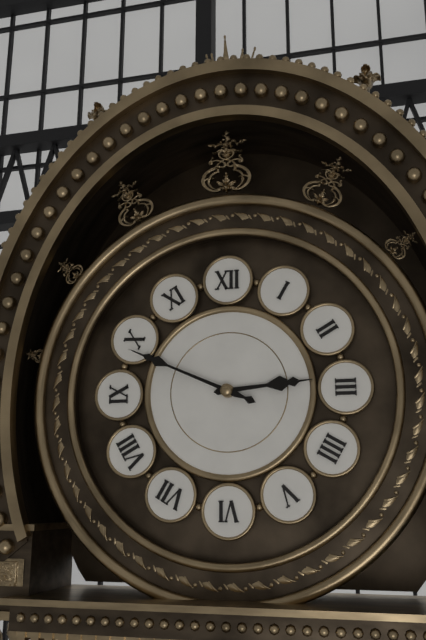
2:49
